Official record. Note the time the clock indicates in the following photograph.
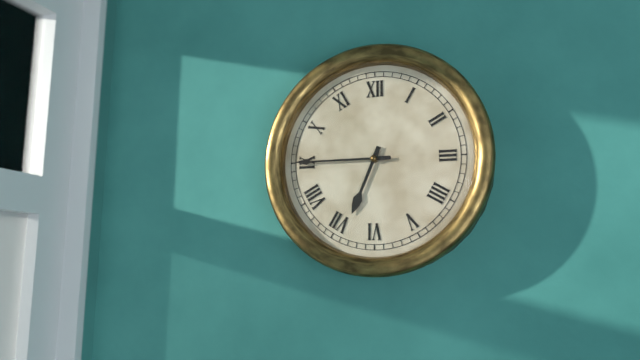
6:45
